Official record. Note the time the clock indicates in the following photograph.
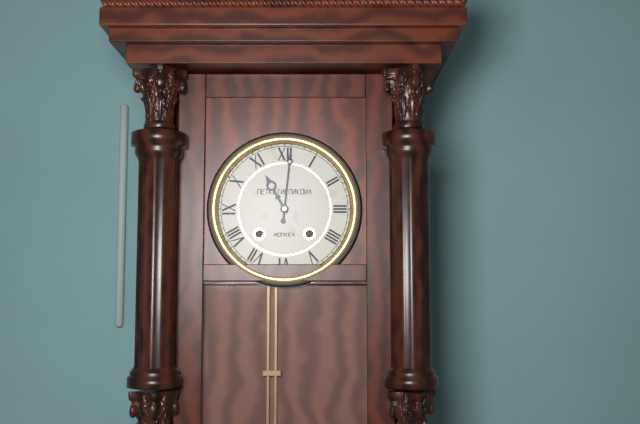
11:01
